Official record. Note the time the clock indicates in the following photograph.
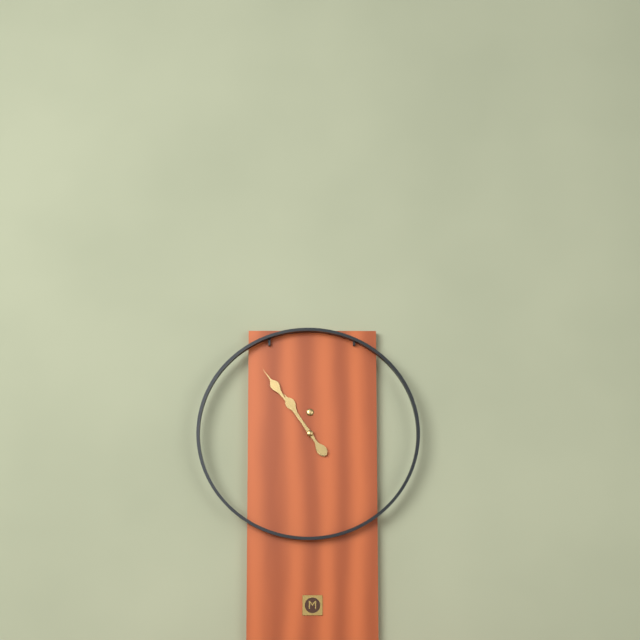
10:54
